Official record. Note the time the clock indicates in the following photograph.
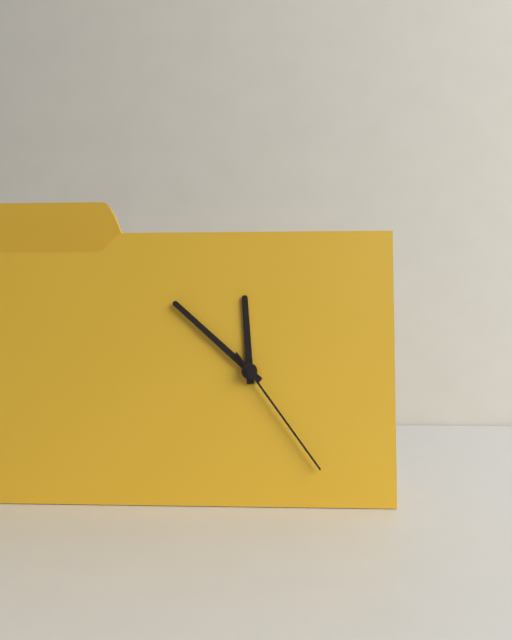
11:52:24
